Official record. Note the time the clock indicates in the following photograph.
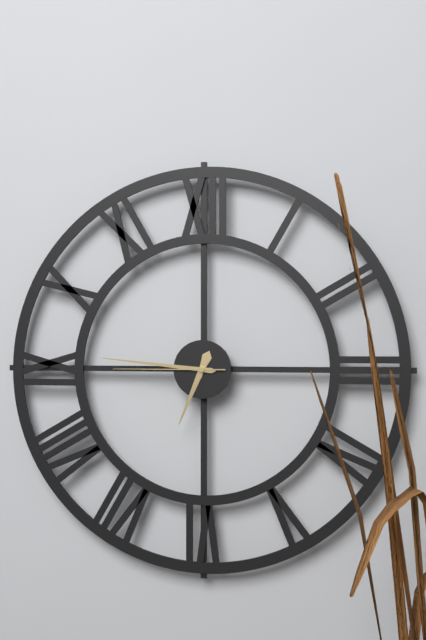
6:46:45
